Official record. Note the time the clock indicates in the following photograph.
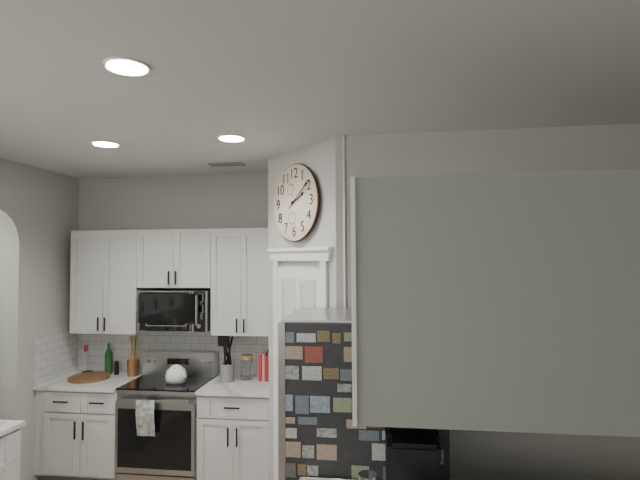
2:09
